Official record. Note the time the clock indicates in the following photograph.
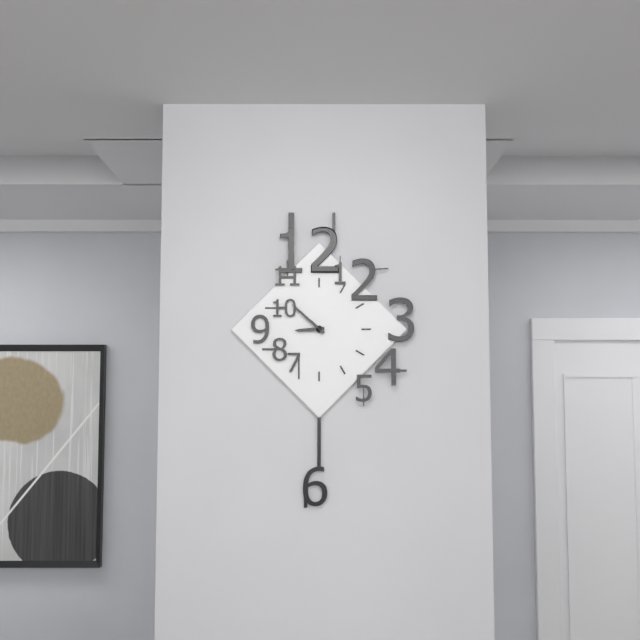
8:52
